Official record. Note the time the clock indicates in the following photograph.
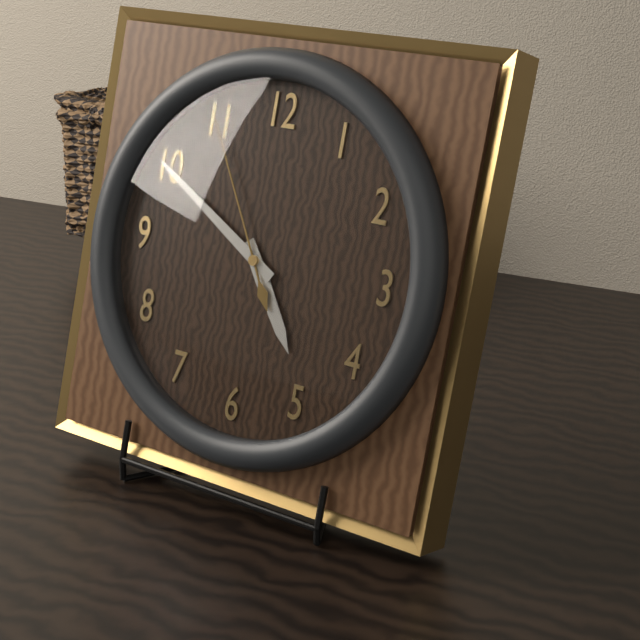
4:50:55
